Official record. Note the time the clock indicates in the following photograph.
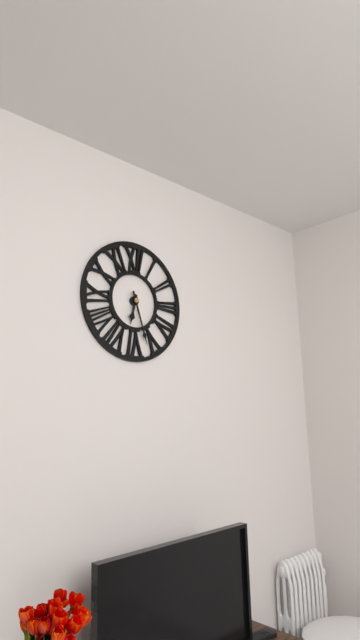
6:27
